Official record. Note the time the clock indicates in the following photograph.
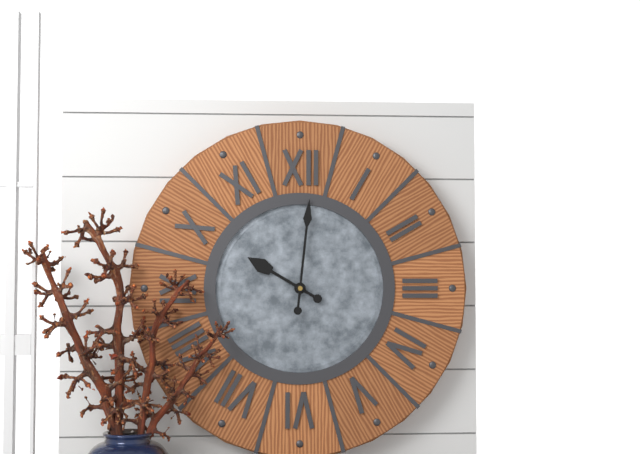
10:01
